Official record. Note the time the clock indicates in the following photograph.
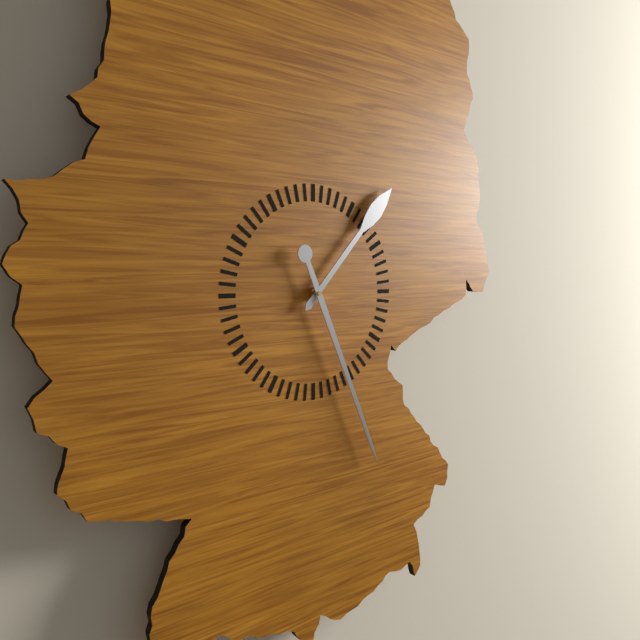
1:26
